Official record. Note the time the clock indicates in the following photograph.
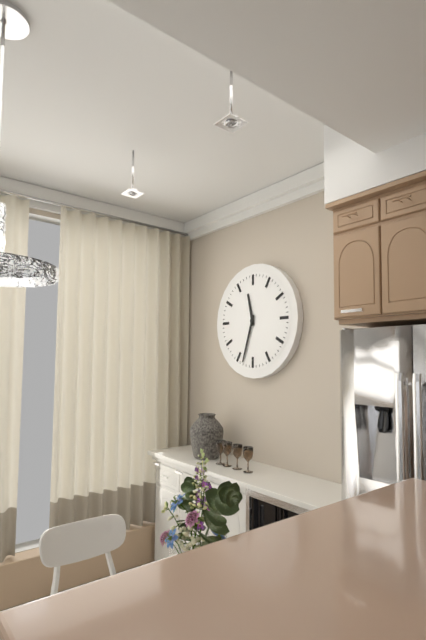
11:33
